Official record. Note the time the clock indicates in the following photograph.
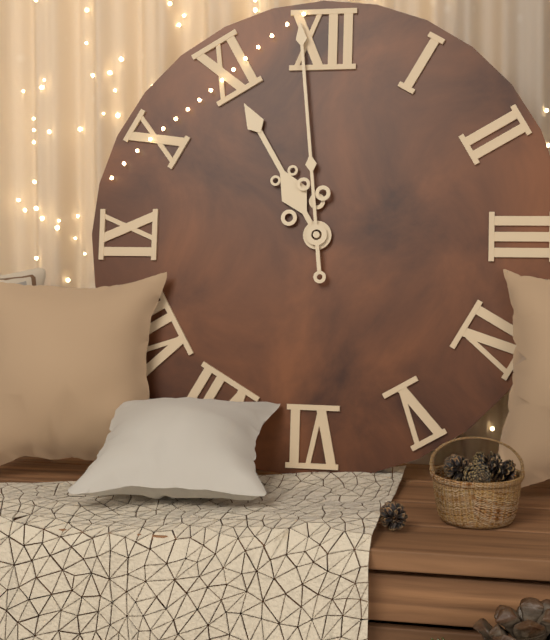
10:59
